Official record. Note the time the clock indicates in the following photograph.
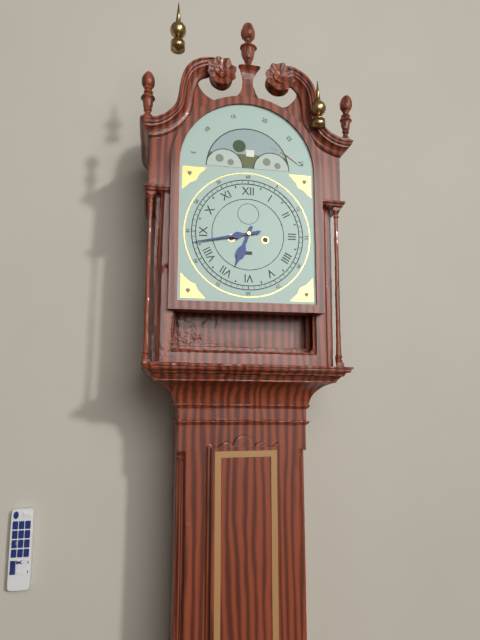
6:43
